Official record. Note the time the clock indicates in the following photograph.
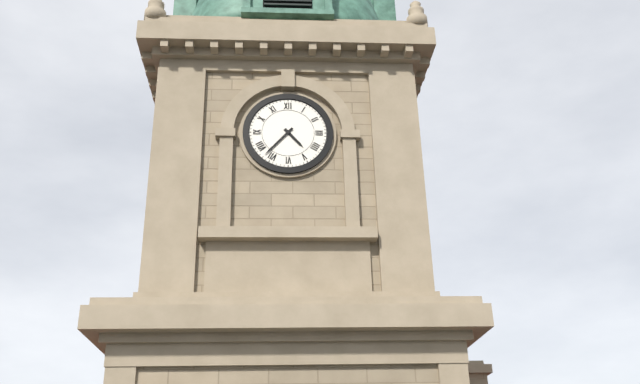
4:37
